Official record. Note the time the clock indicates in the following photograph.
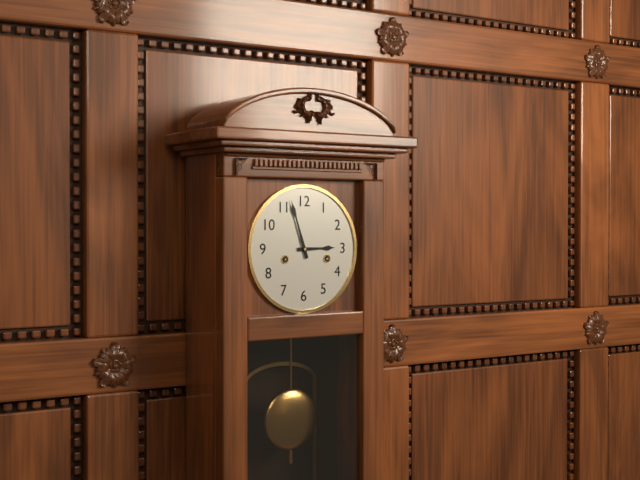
2:57
